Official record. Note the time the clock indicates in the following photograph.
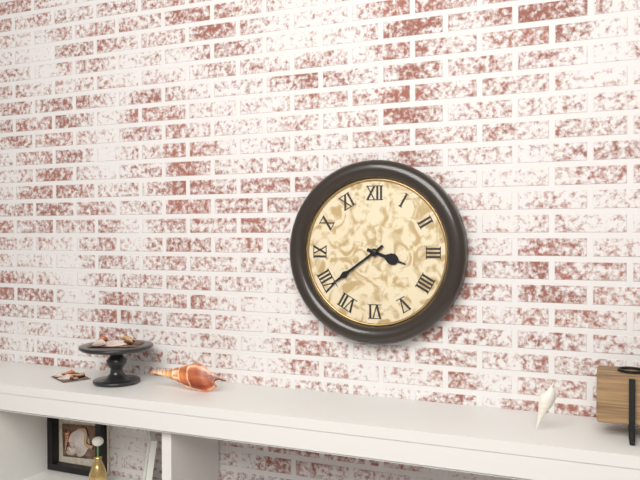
3:39
